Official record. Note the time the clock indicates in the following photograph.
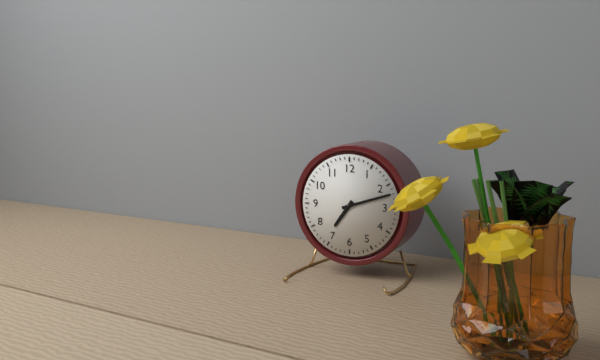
7:12
